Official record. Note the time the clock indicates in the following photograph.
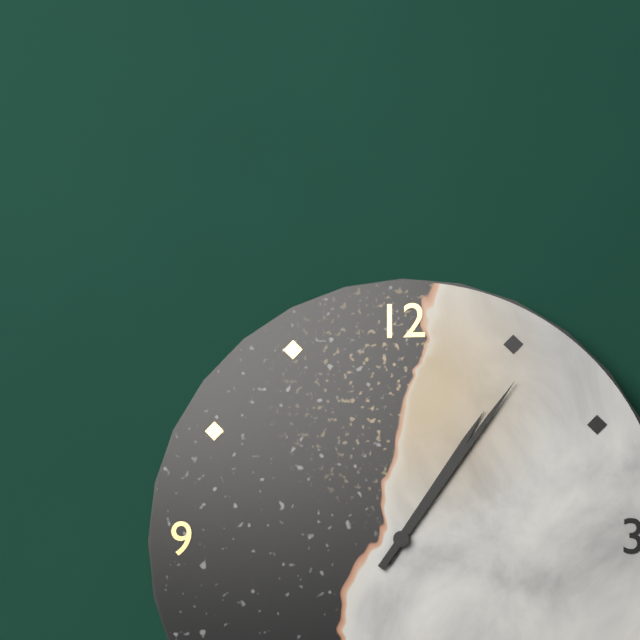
1:06
